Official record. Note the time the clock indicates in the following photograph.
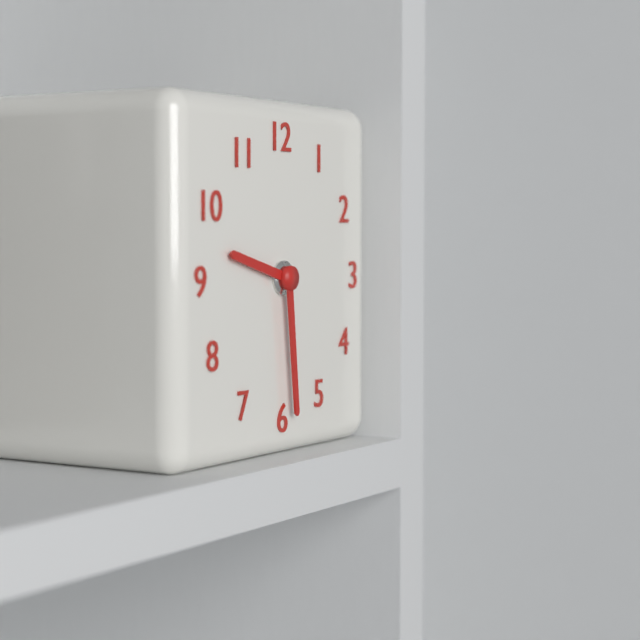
9:29
